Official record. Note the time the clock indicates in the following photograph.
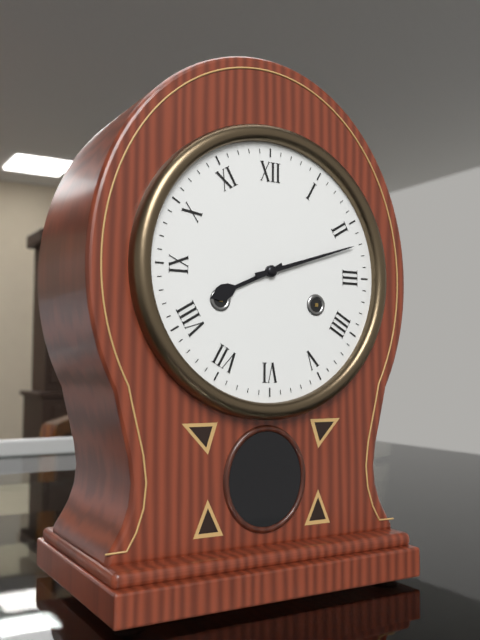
8:12
